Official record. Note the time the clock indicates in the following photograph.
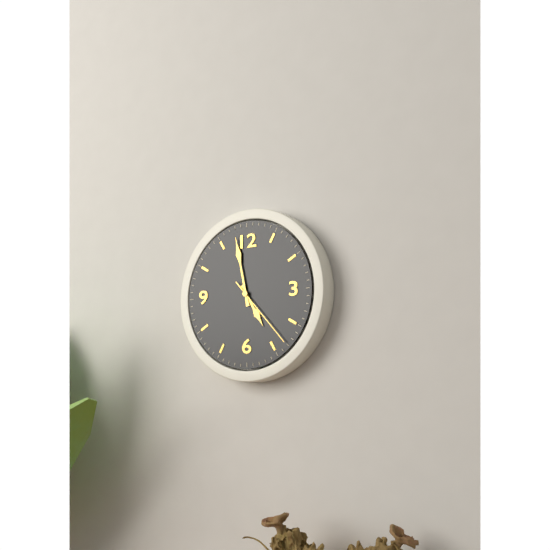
4:58:23
